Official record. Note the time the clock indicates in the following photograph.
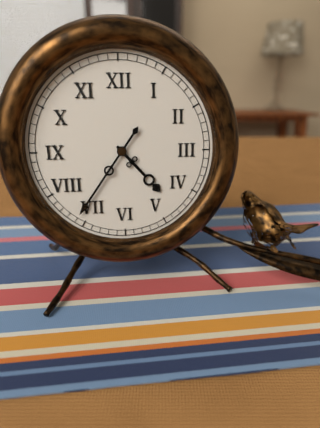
4:36
